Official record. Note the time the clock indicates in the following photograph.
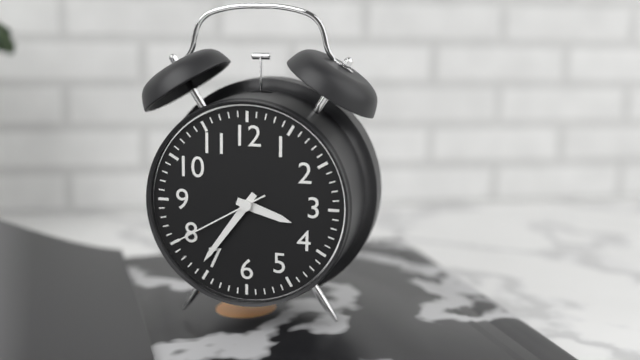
3:36:40
